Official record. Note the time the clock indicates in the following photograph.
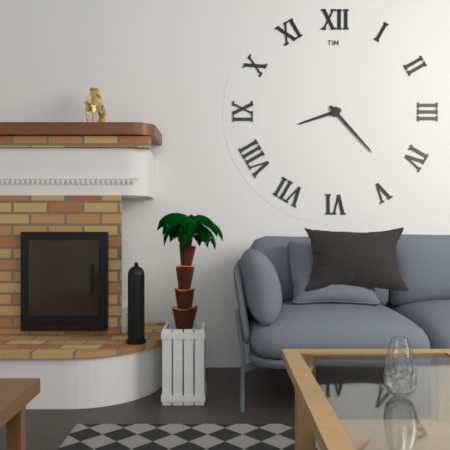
8:23
